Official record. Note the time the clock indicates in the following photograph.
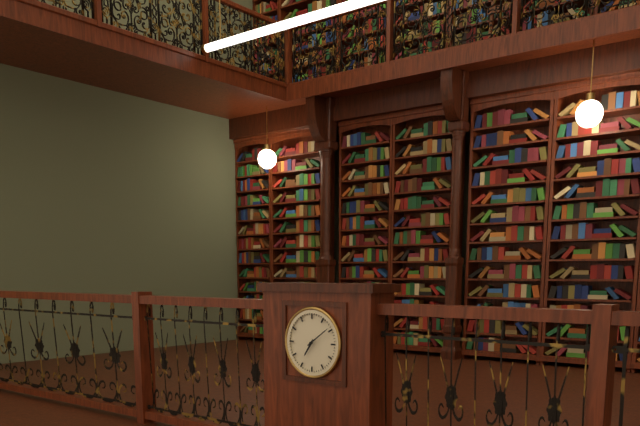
7:09
